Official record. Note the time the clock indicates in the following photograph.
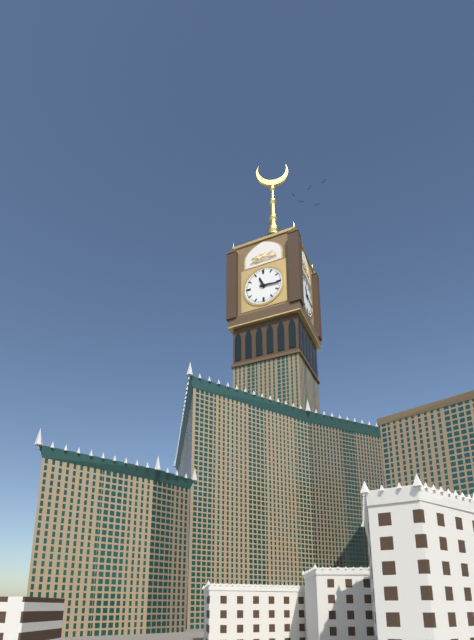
11:16
